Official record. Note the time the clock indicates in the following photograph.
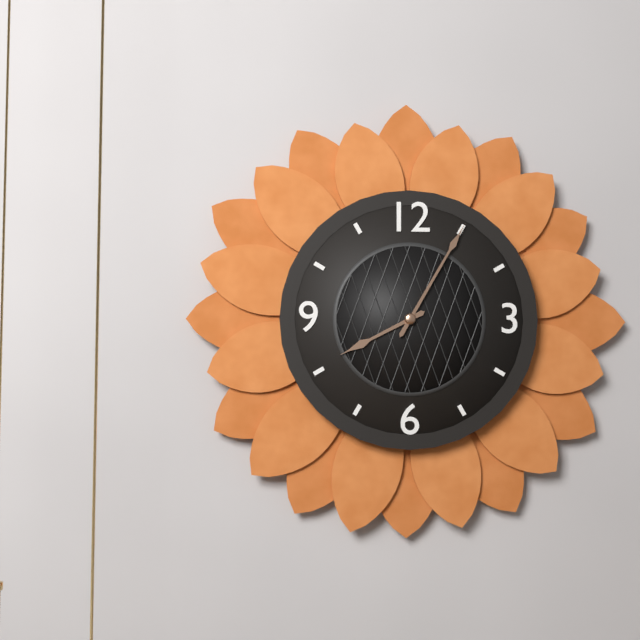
8:05
